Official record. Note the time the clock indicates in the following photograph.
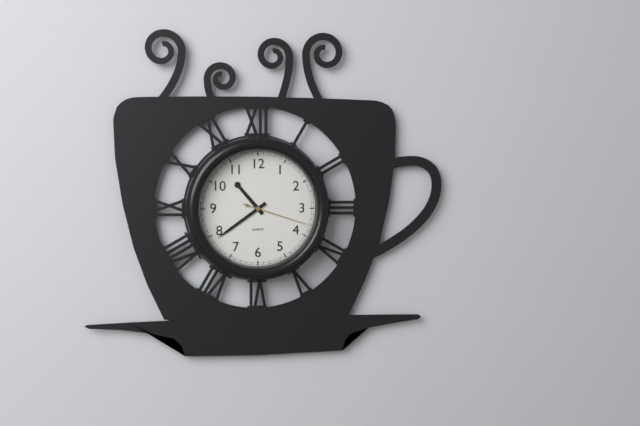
10:39:18
